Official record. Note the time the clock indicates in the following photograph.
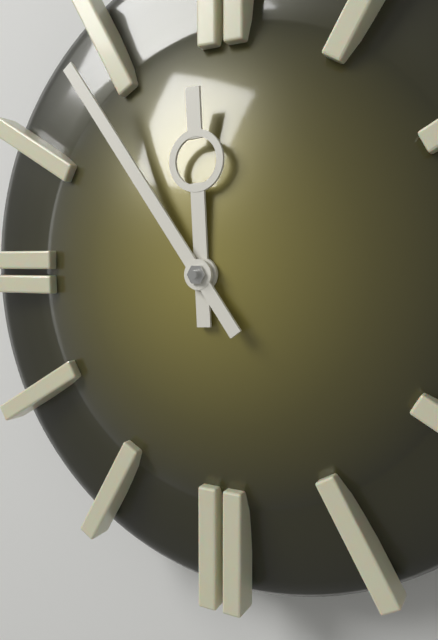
11:54
